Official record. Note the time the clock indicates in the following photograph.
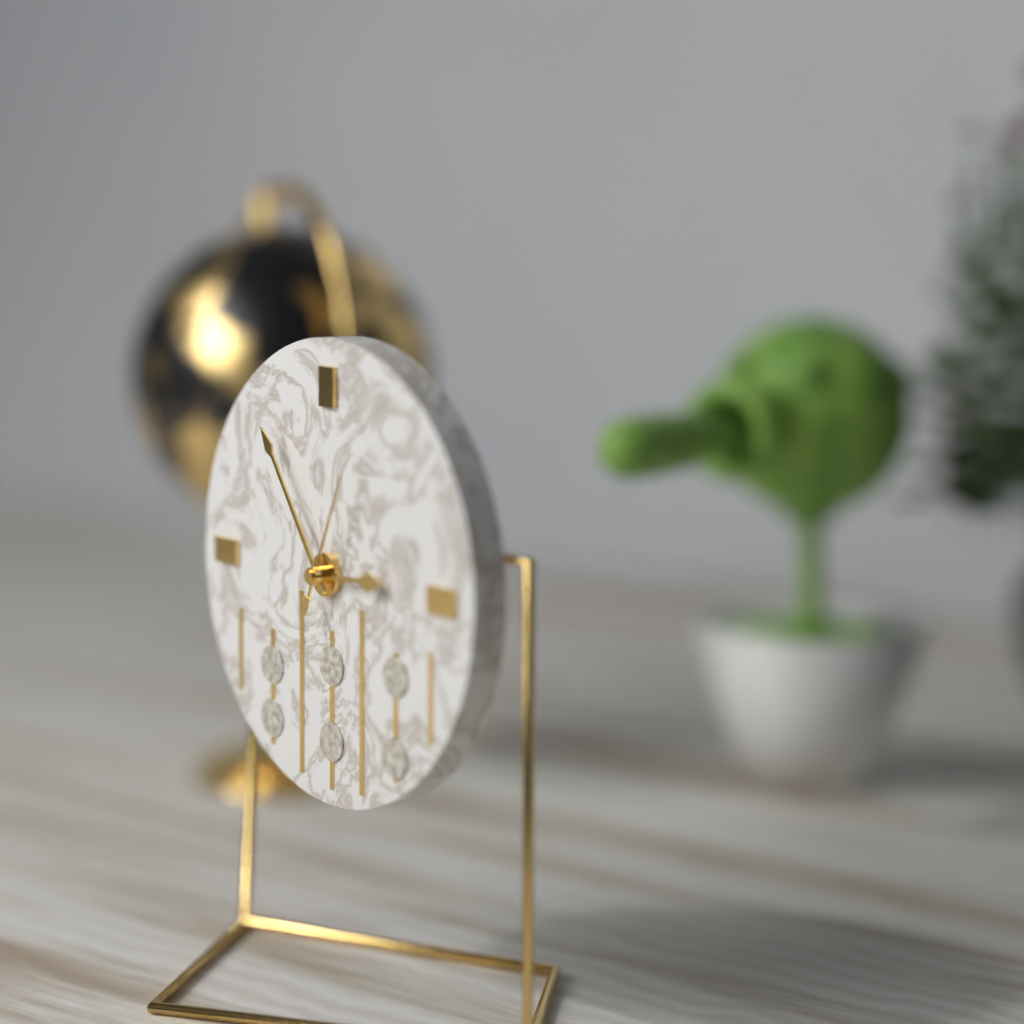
2:54:04
